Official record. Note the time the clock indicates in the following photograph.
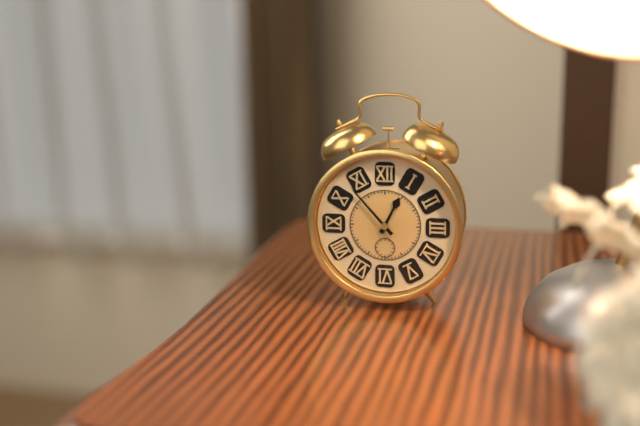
12:53
